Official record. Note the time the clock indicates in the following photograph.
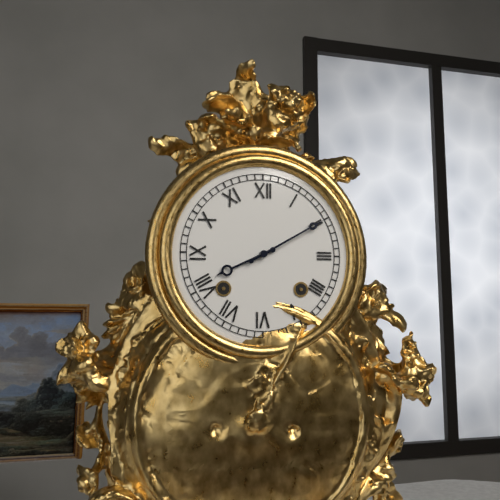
8:10
